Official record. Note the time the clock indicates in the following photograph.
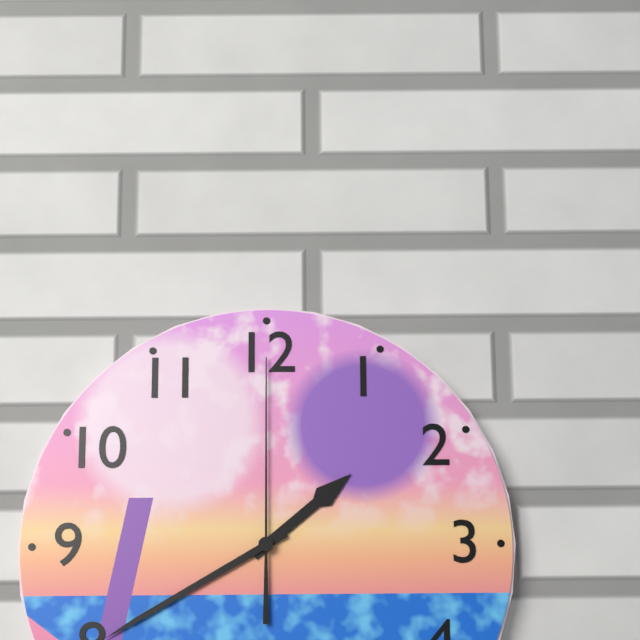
1:40:00
